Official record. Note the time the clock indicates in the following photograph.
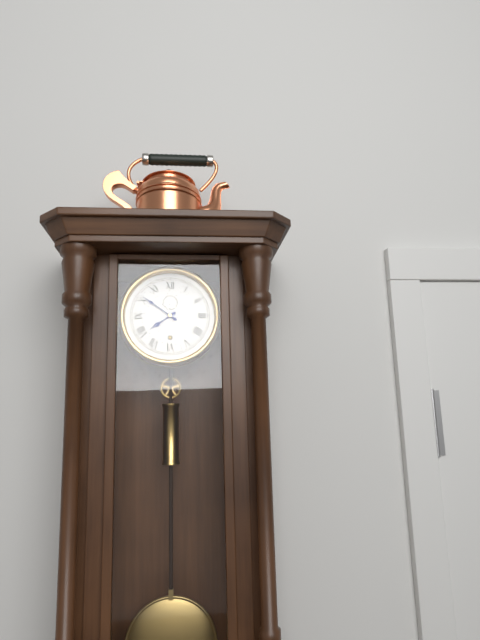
7:51
